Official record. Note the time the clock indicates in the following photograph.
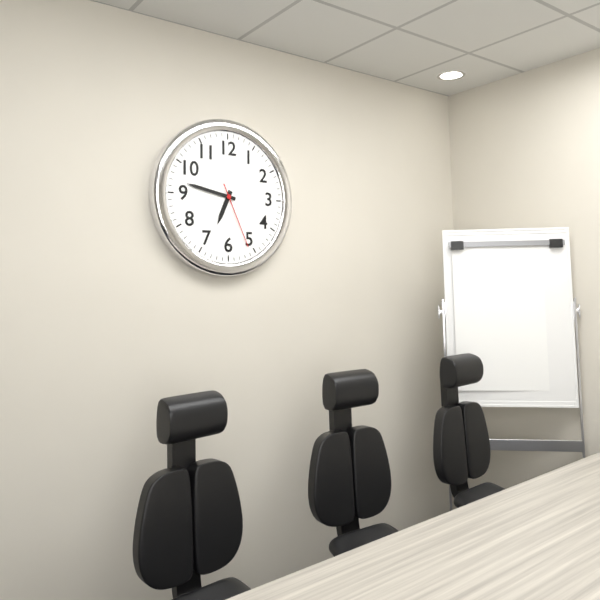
6:47:26
